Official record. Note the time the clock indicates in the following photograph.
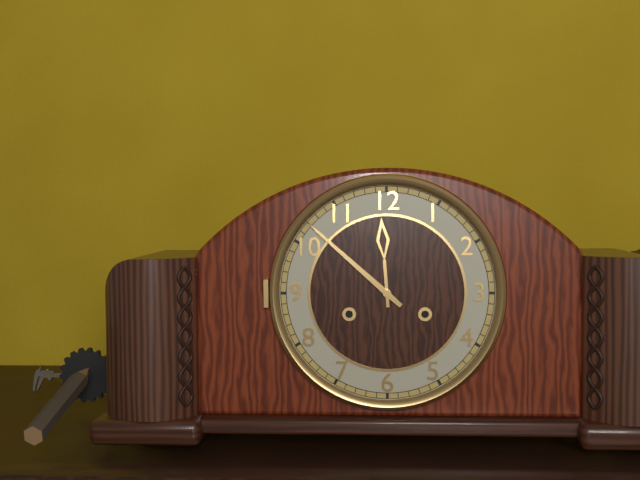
11:52
